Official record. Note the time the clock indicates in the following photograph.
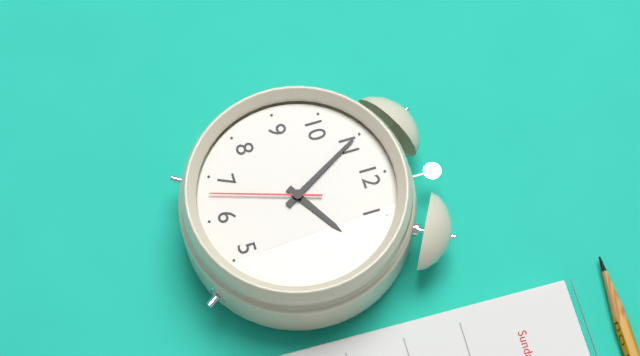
1:55:33
